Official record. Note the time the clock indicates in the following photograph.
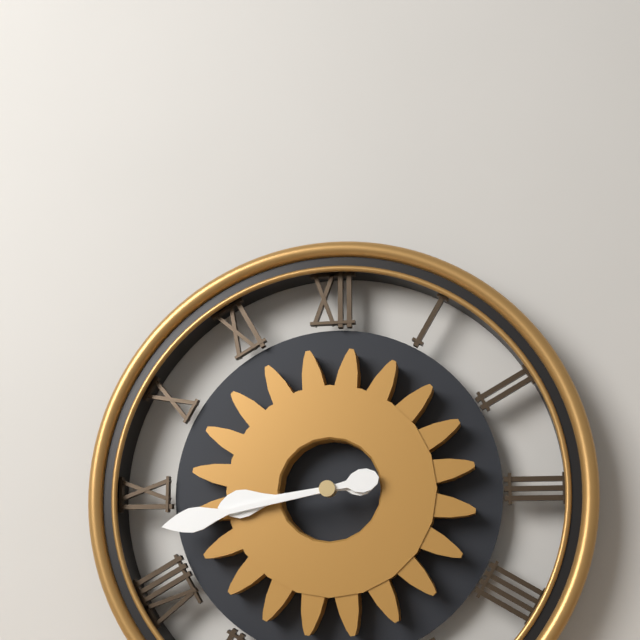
8:43
